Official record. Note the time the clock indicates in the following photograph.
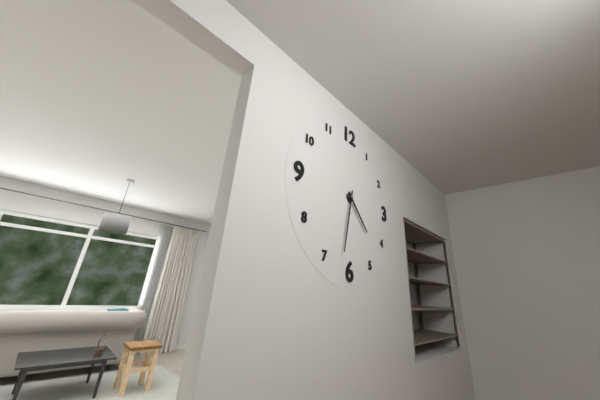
4:32
